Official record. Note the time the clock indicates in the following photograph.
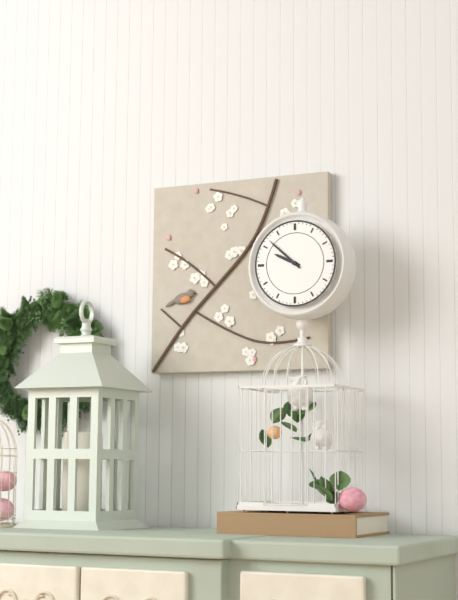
9:52
